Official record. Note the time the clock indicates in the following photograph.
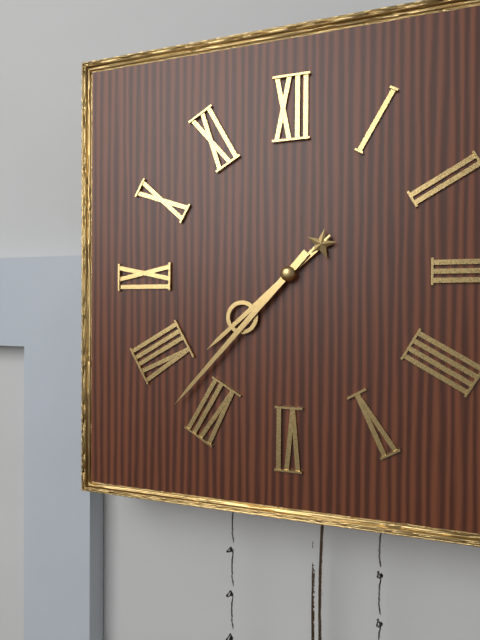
7:37
